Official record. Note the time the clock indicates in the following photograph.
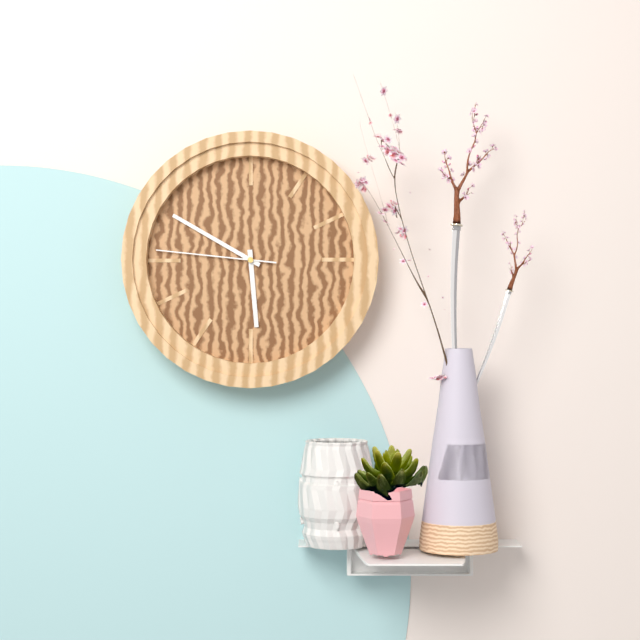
5:50:46
